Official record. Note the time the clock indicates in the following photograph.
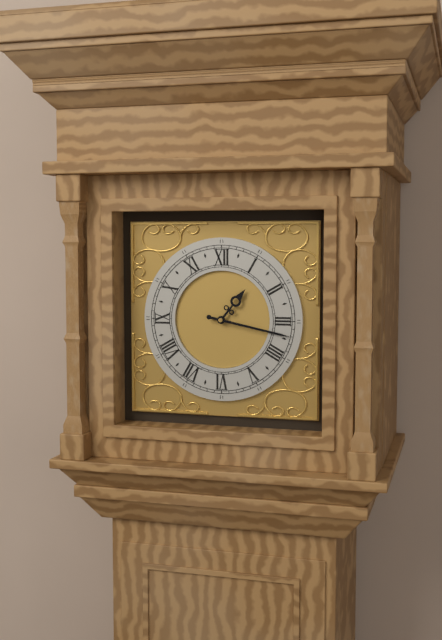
1:17
